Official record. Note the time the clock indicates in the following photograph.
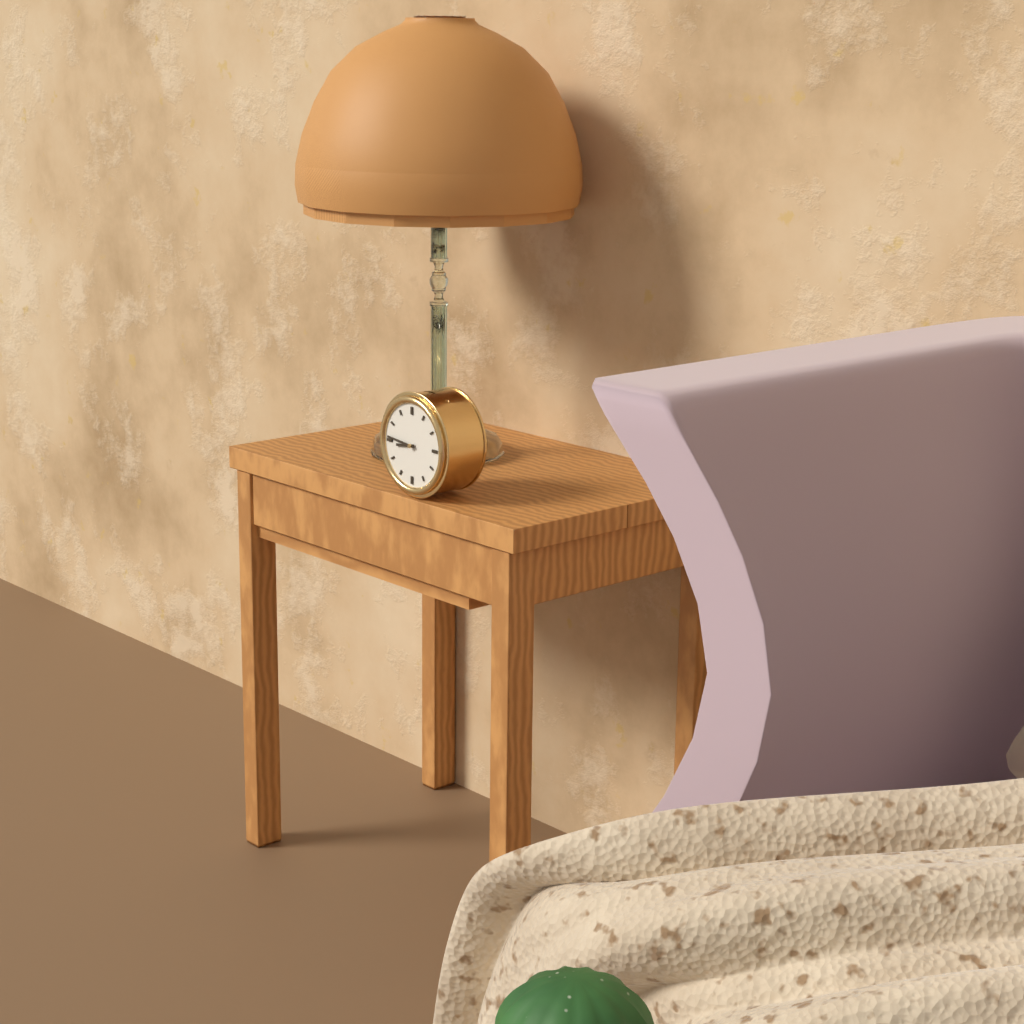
8:46
